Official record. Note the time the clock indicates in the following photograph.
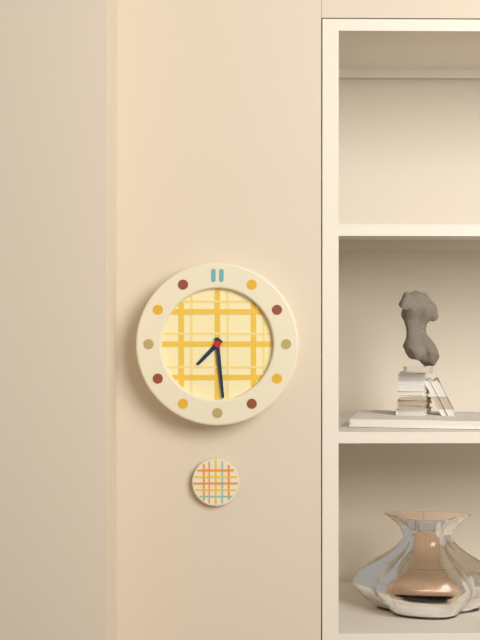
7:29
